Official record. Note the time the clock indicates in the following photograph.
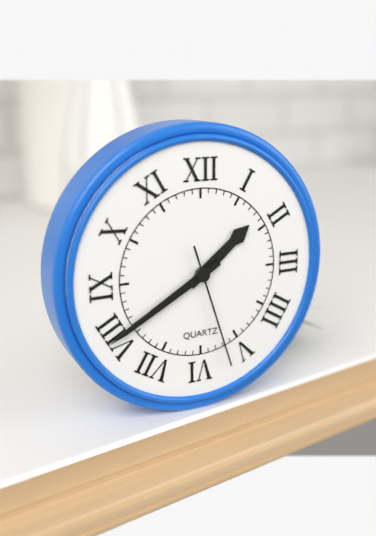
1:40:27
